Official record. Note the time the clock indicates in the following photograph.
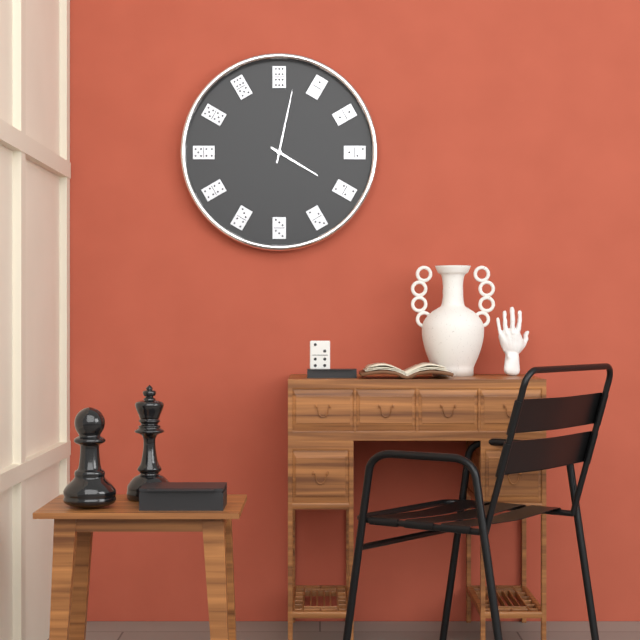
4:02
